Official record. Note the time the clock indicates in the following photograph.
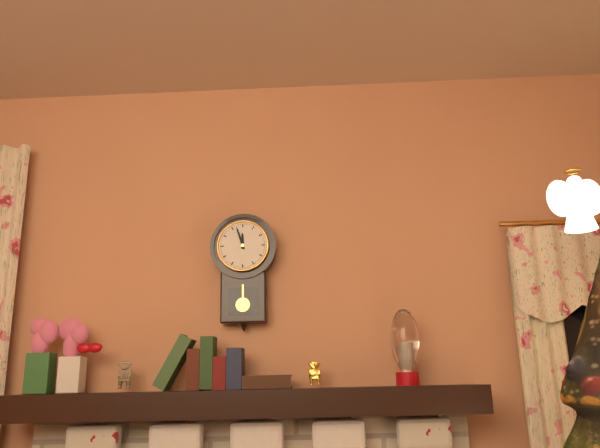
11:57
